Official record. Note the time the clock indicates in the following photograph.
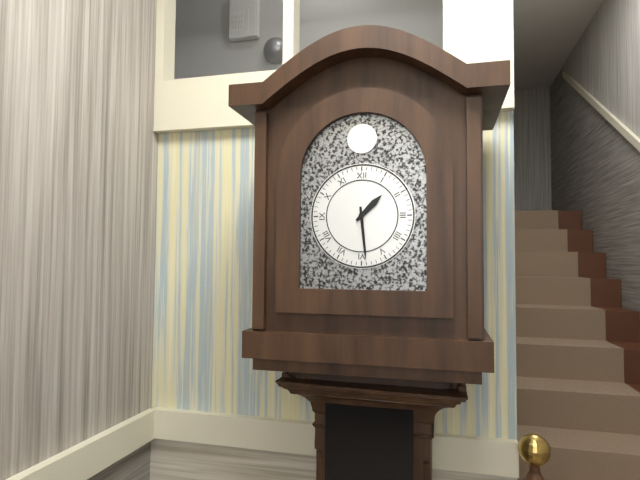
1:29
